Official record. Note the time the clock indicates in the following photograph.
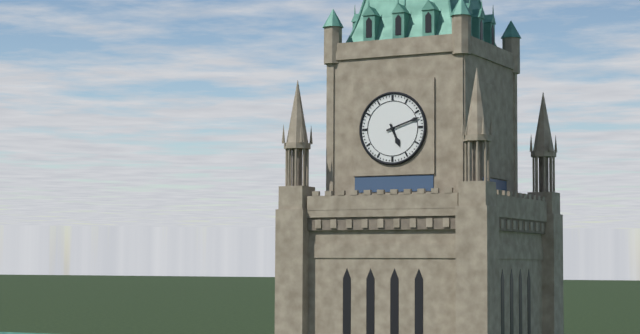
5:12
